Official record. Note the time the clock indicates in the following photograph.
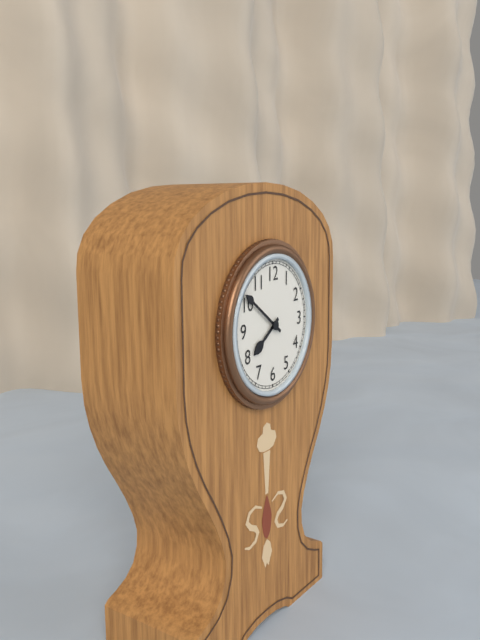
7:51
